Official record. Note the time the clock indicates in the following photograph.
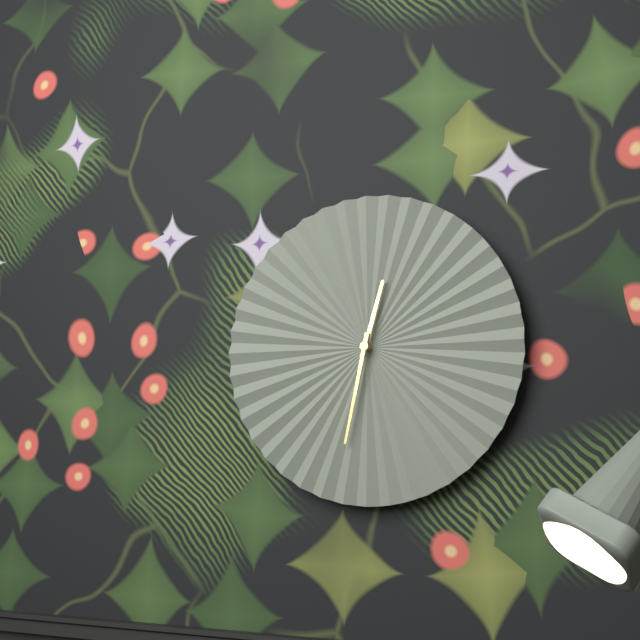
12:32
